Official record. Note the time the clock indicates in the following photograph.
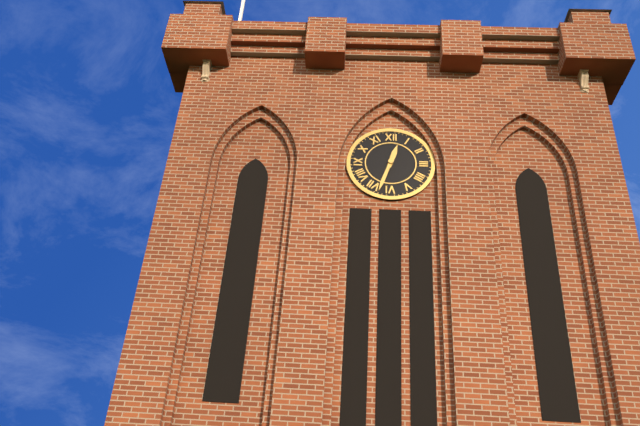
12:33
